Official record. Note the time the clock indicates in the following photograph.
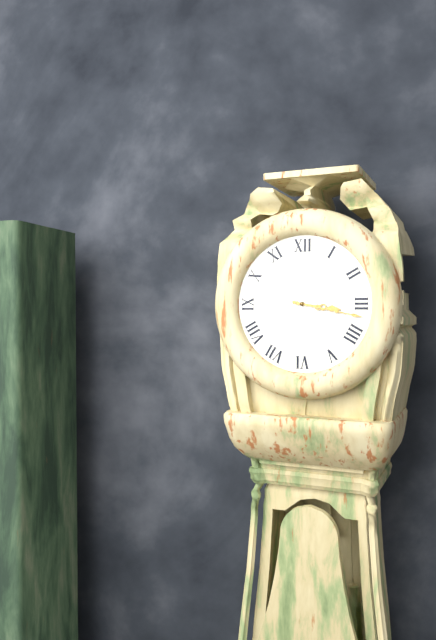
3:17
